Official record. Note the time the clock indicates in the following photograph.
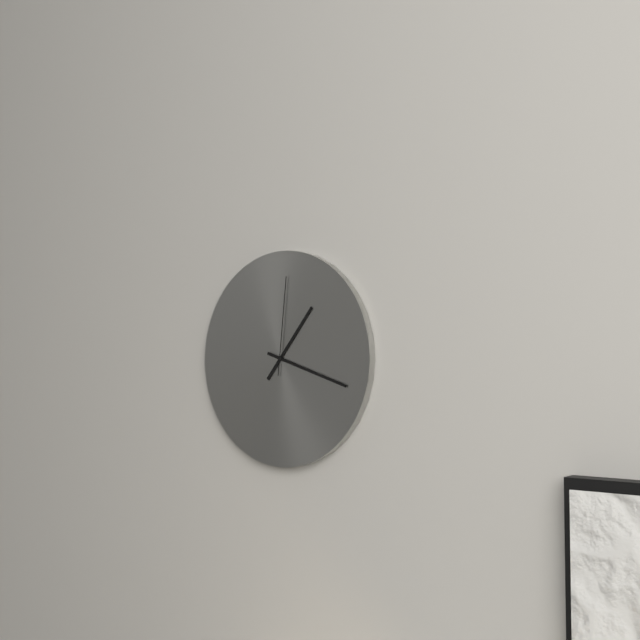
1:18:01
